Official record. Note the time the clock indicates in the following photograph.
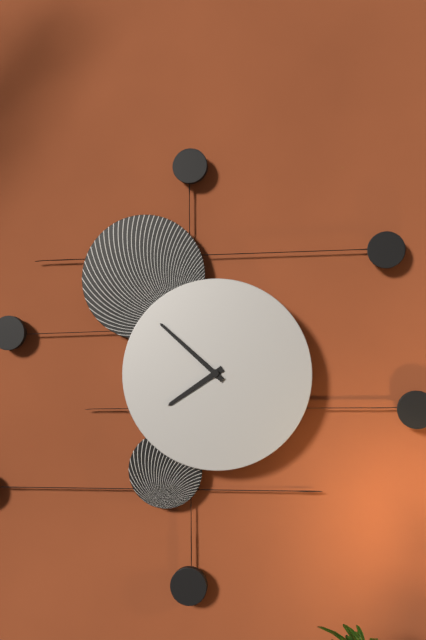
7:52
